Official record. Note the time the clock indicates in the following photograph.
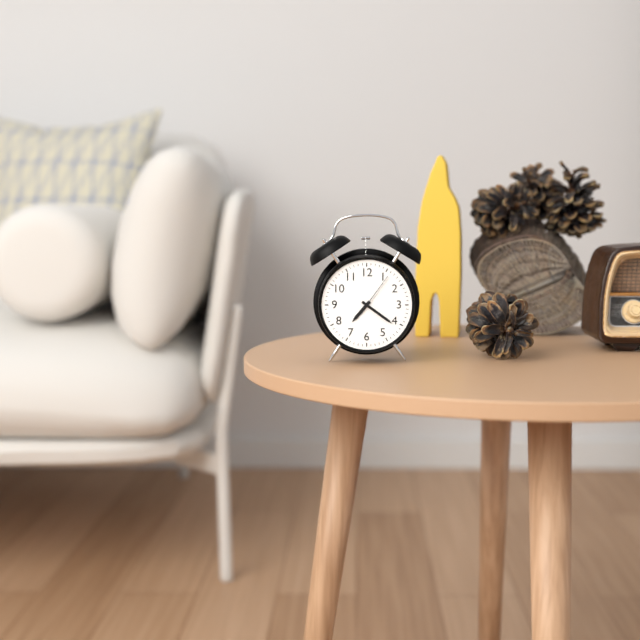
7:21
